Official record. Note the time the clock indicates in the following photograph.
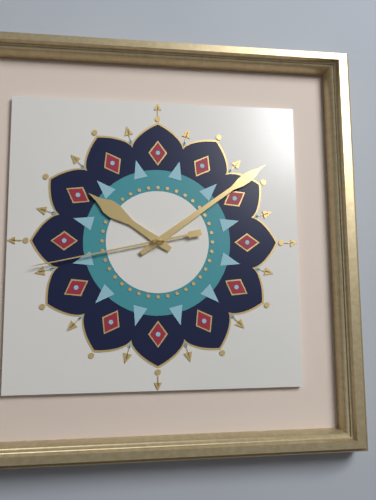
10:09:43
